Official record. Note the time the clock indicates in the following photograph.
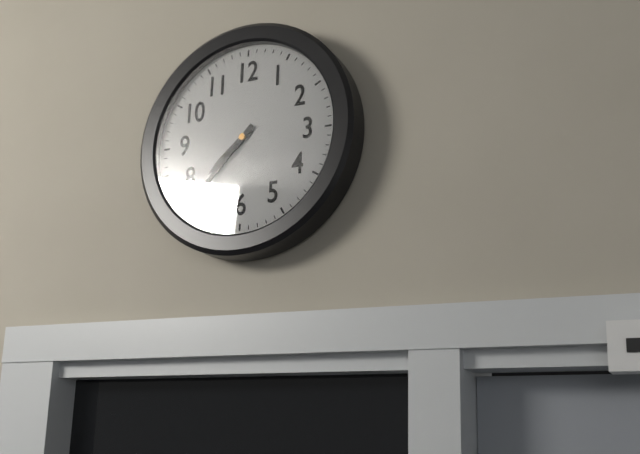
7:37
